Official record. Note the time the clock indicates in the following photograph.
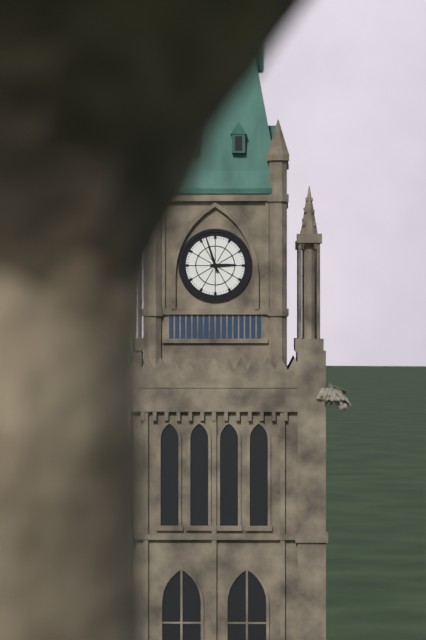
2:57
